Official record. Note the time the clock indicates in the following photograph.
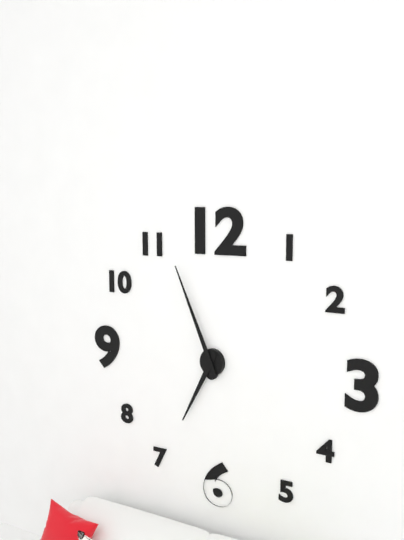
6:56
